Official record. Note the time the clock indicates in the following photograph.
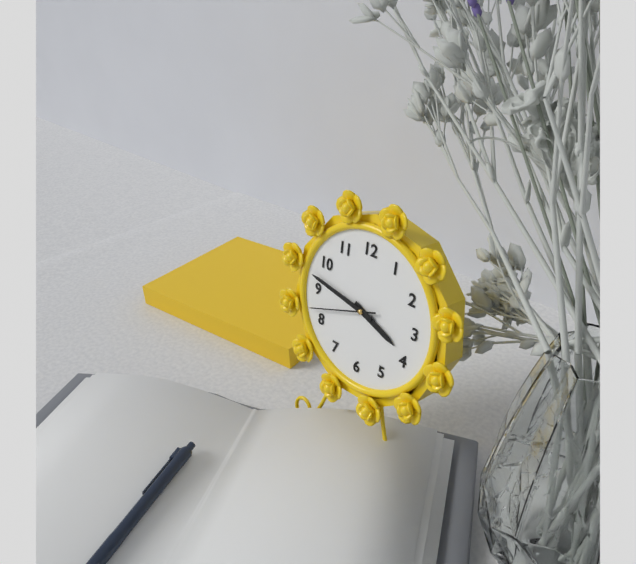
3:47:42
